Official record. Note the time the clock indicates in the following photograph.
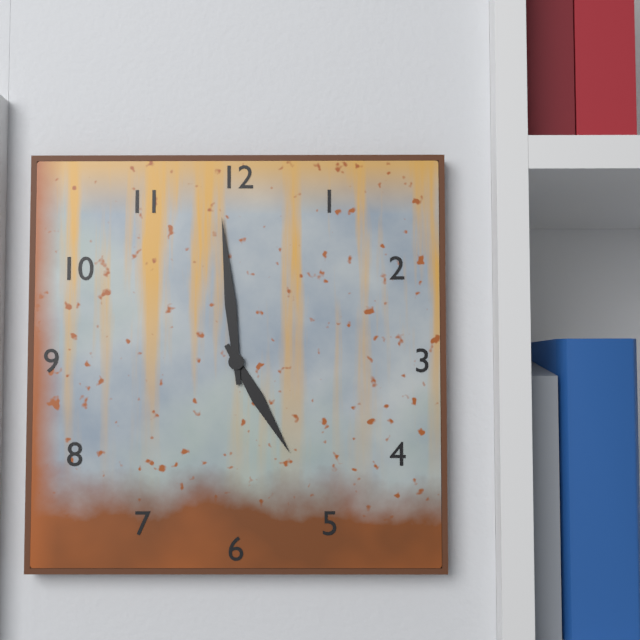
4:59
